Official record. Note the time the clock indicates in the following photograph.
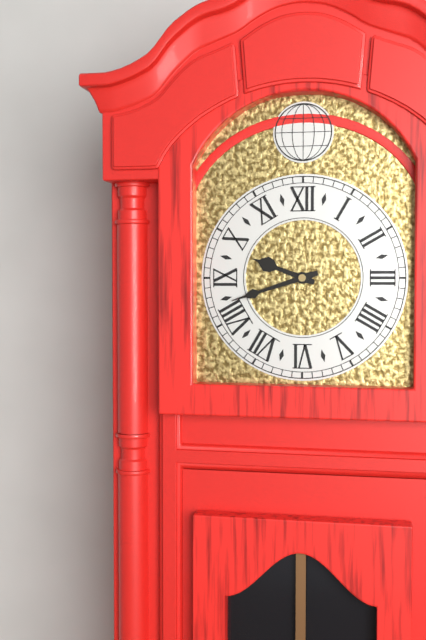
9:42
